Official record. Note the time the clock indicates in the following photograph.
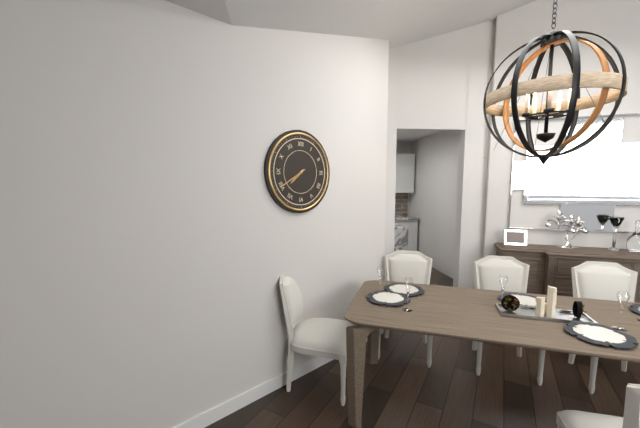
7:40
